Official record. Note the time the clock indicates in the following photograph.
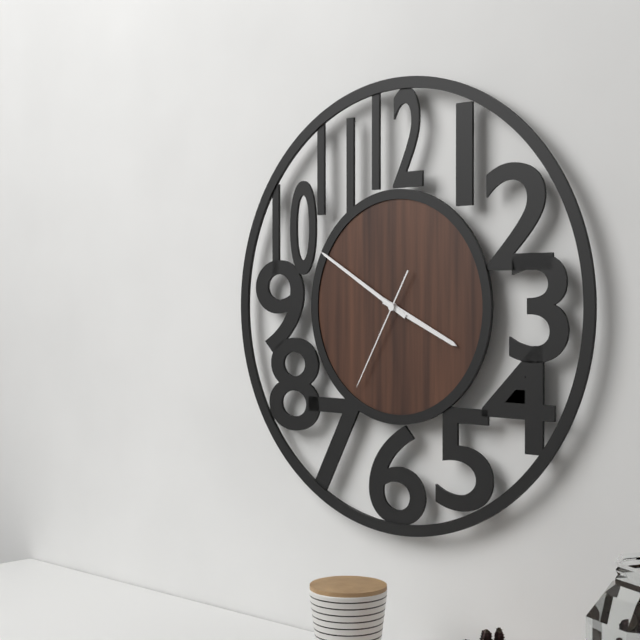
3:50:35
